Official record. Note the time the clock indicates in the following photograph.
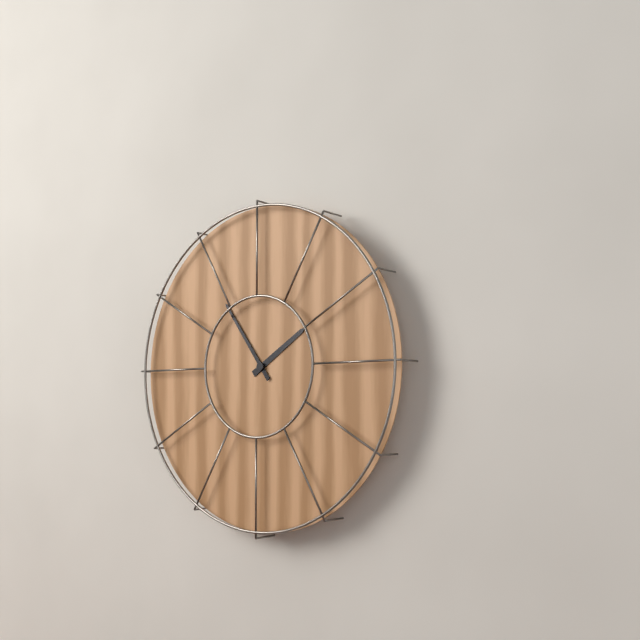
1:54
